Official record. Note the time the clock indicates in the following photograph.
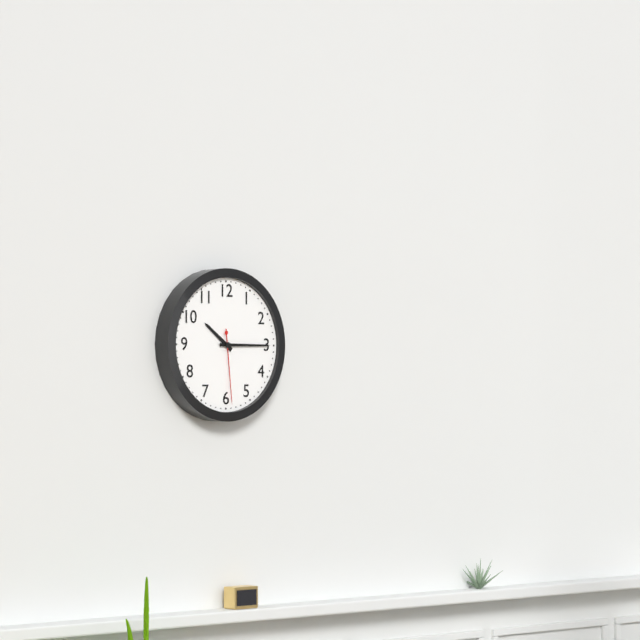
10:15:29
